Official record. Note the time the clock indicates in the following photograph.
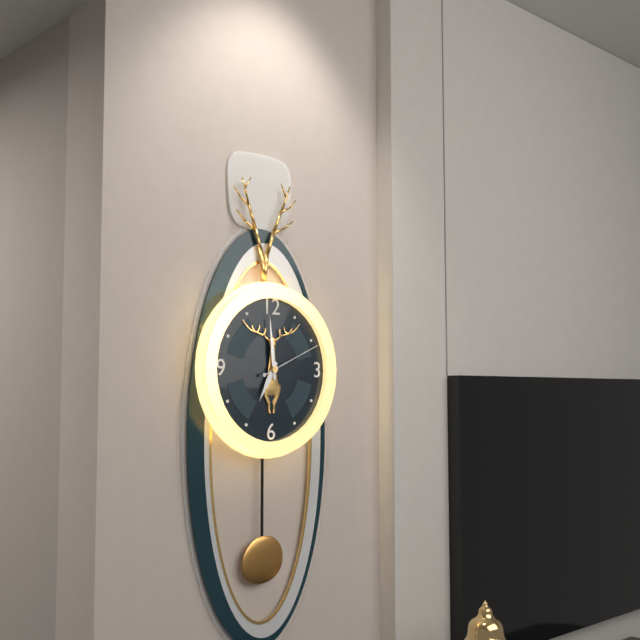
6:59:11
